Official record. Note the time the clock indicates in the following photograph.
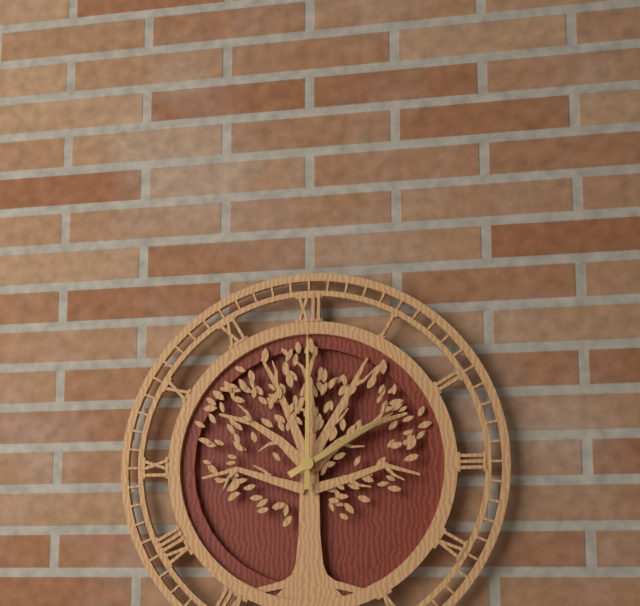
2:00
